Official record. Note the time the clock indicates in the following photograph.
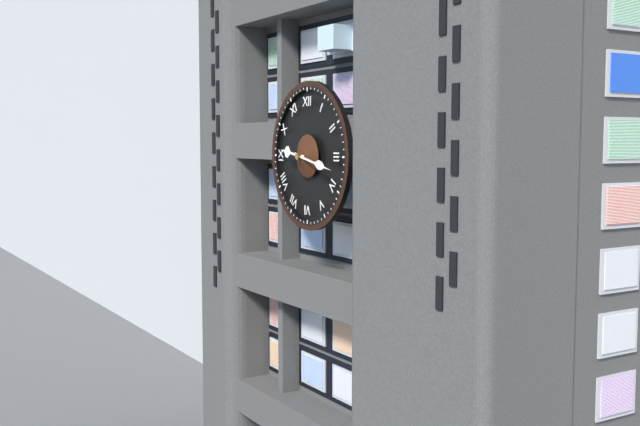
9:17
